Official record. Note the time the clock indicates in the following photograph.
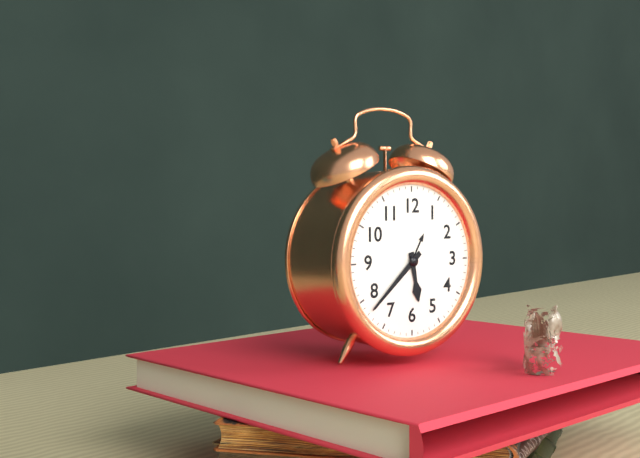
5:38
